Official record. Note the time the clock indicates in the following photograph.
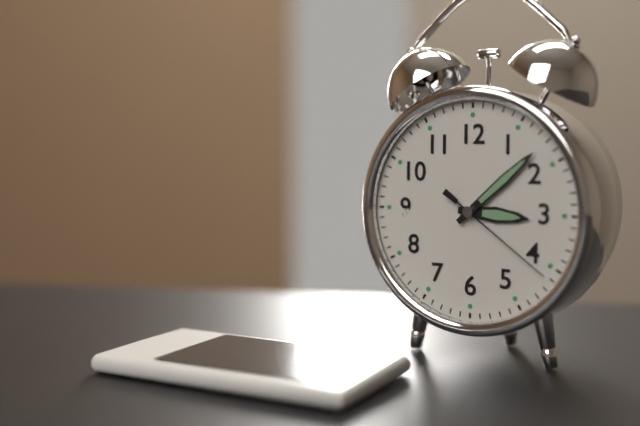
3:08:21
